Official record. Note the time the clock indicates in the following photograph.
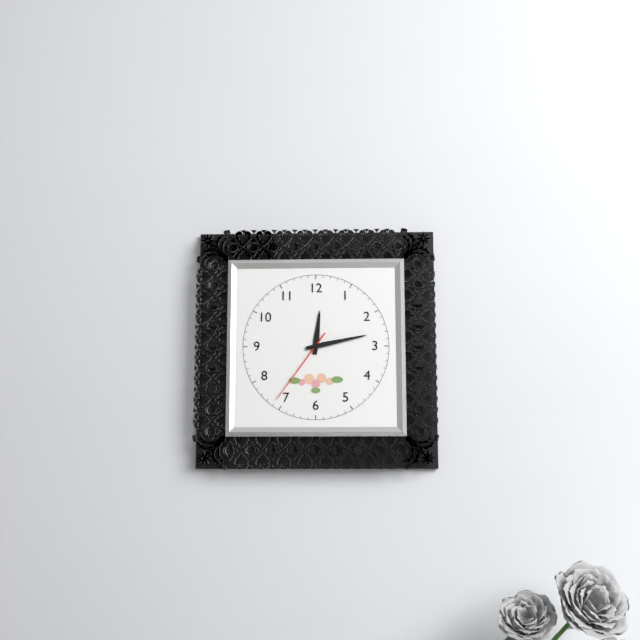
12:13:36
